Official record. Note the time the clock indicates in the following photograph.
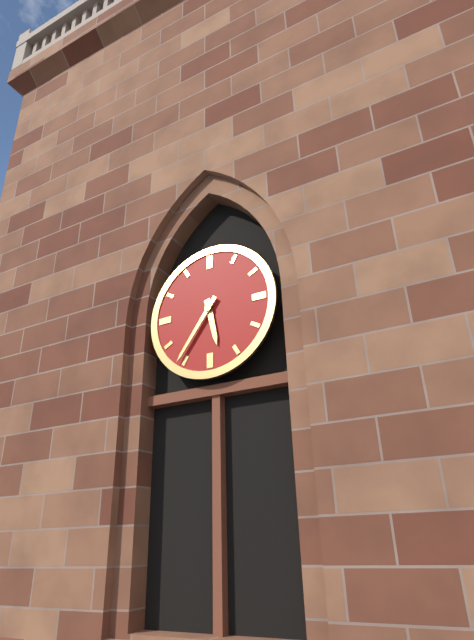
5:36
